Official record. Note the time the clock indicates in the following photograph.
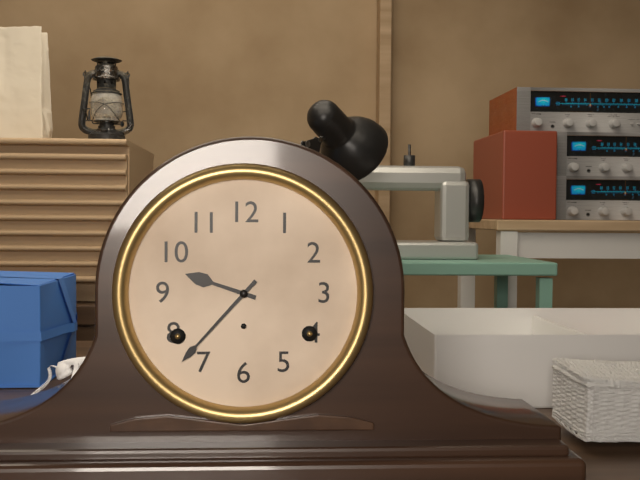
9:37
